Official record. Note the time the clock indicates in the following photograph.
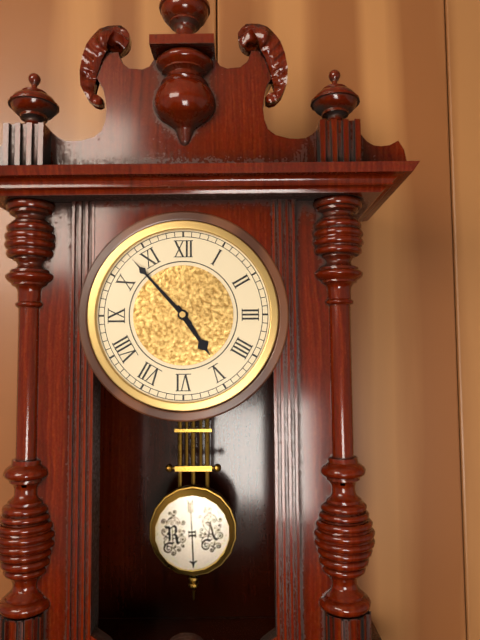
4:53
